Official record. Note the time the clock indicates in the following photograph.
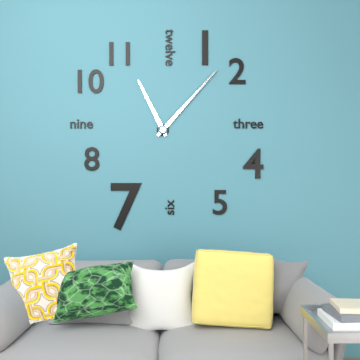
11:07
